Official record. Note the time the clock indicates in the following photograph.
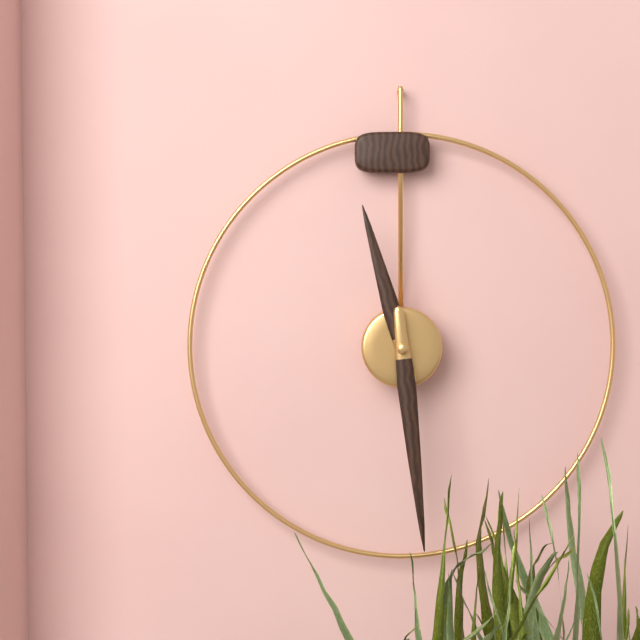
11:29
